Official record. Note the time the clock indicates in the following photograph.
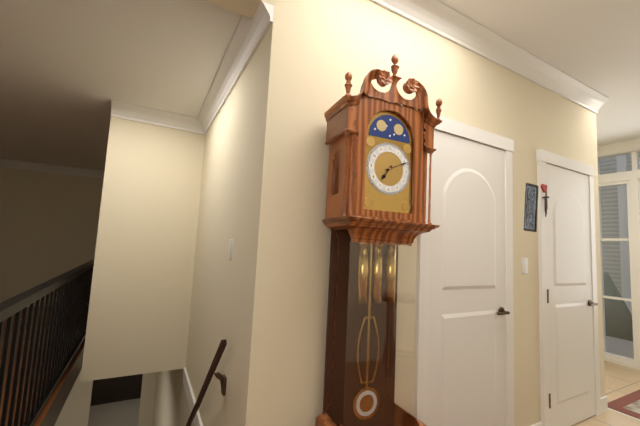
7:11
